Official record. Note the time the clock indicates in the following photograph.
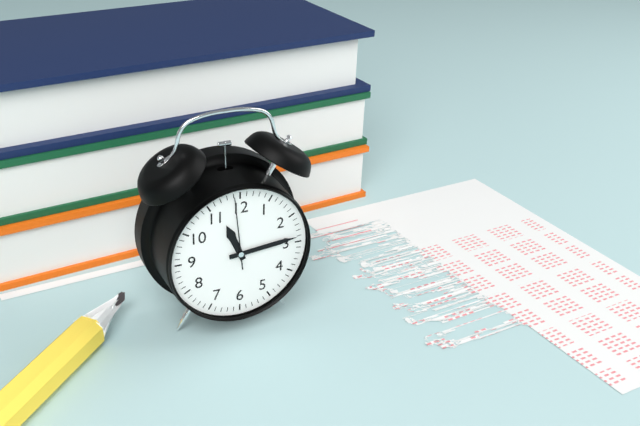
11:14:59
